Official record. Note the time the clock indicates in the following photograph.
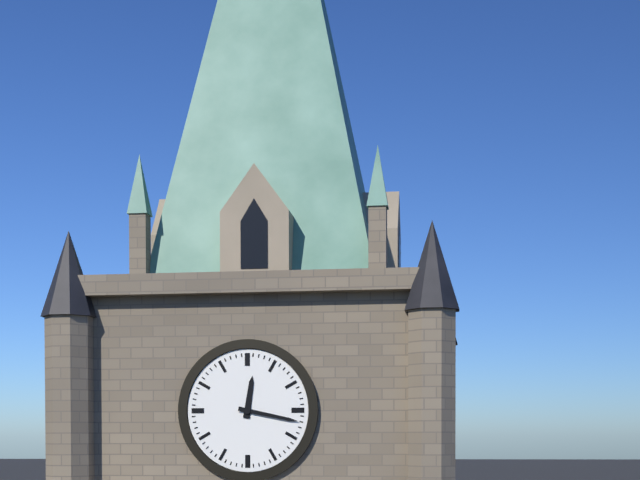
12:17
